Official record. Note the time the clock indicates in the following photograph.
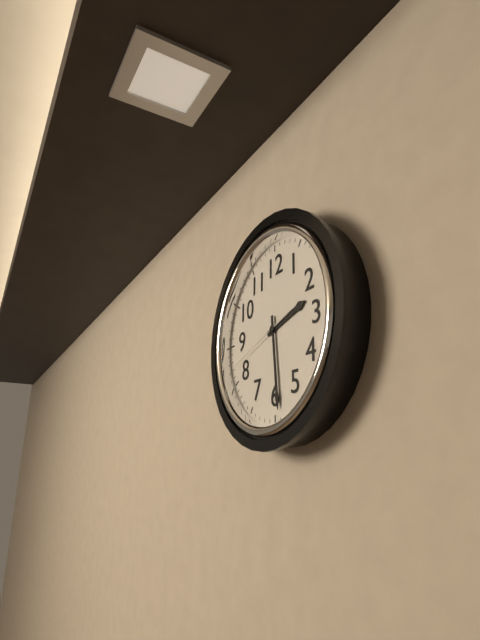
2:29:42
